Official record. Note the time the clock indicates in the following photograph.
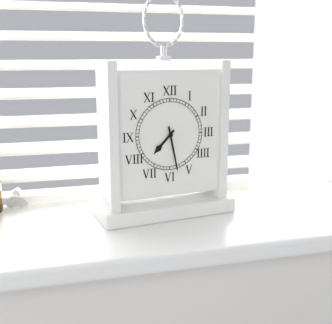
7:28
